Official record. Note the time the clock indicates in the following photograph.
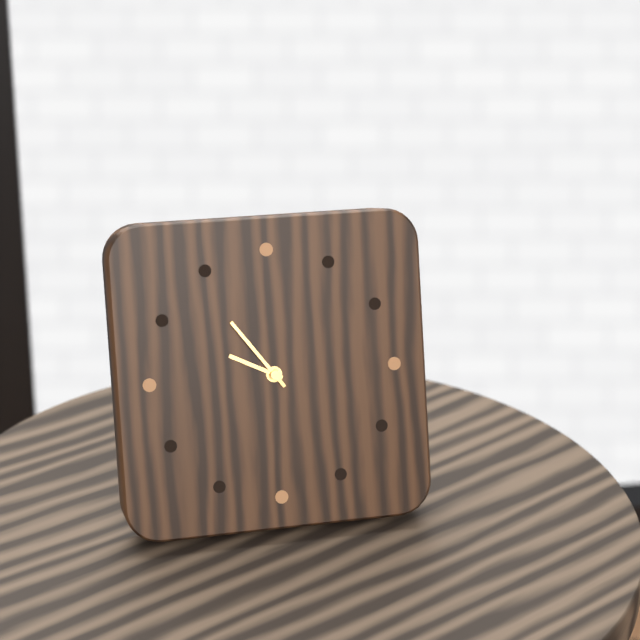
9:54
